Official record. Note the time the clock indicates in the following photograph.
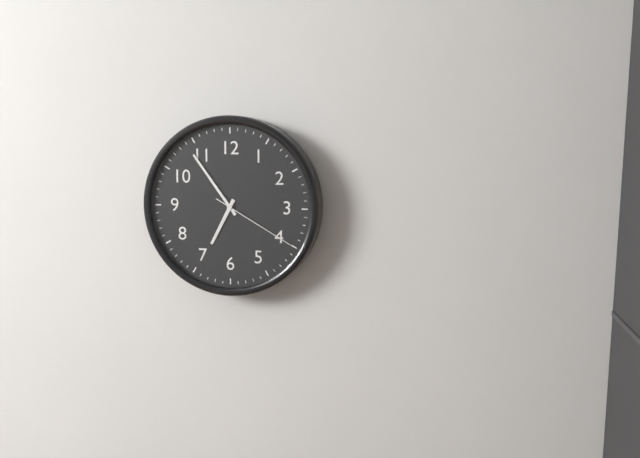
6:54:20
